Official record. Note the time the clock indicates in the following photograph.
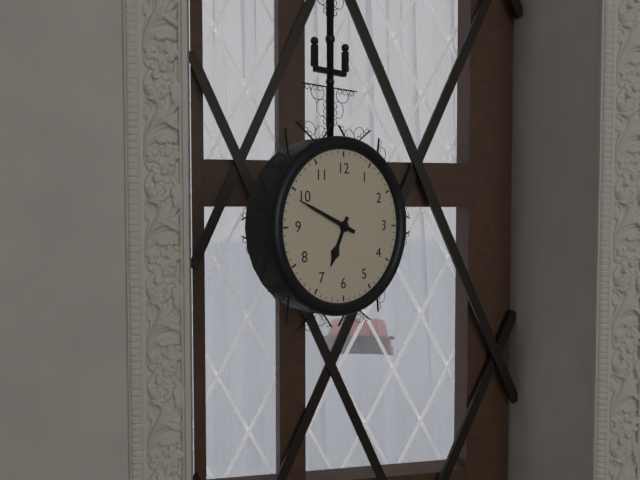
6:49
